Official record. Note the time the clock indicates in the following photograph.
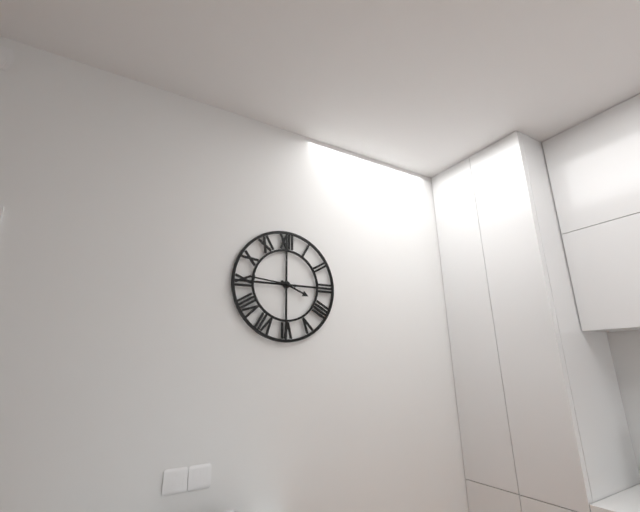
3:46
